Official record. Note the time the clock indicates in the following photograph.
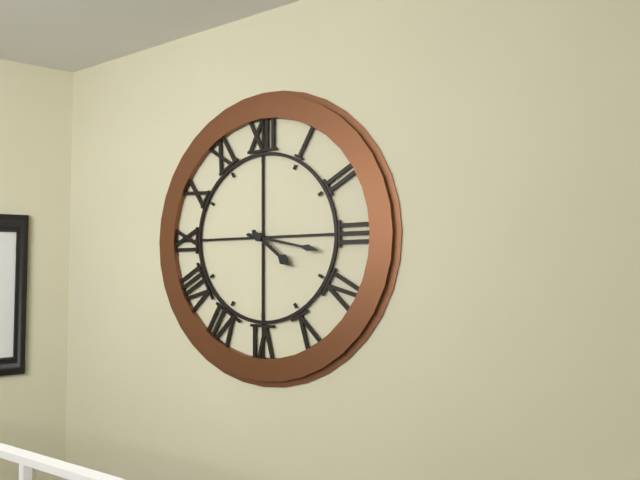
4:17
